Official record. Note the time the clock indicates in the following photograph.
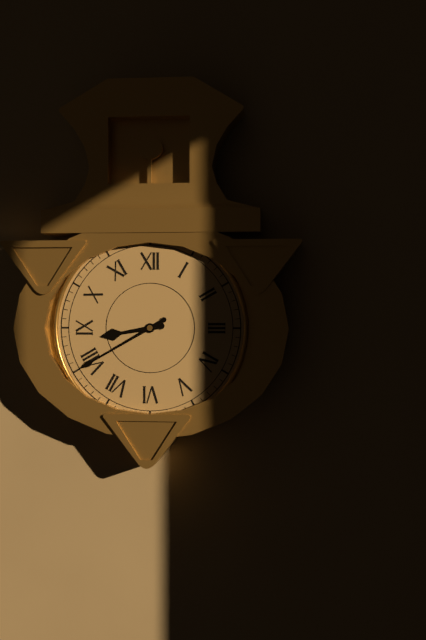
8:40
